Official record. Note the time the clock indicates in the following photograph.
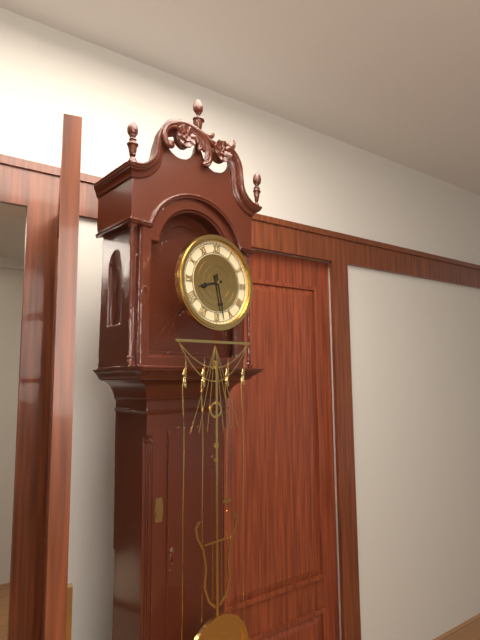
8:28
